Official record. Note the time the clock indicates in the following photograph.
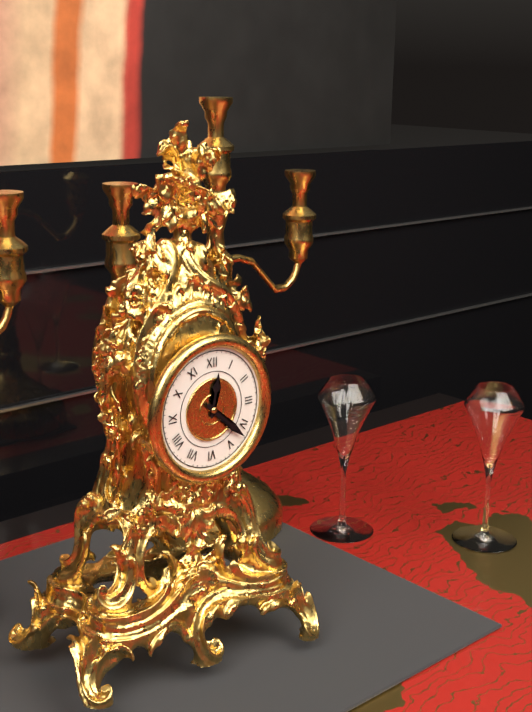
12:22
